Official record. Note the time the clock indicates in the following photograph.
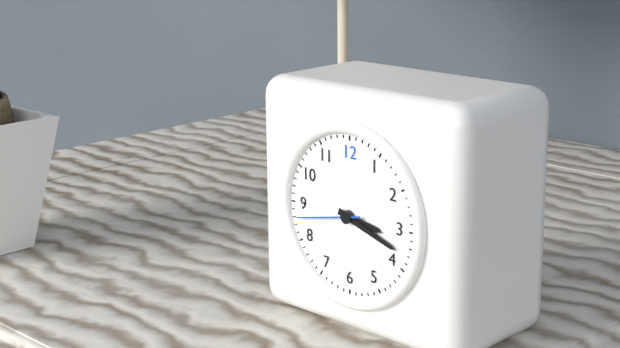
3:18:43
